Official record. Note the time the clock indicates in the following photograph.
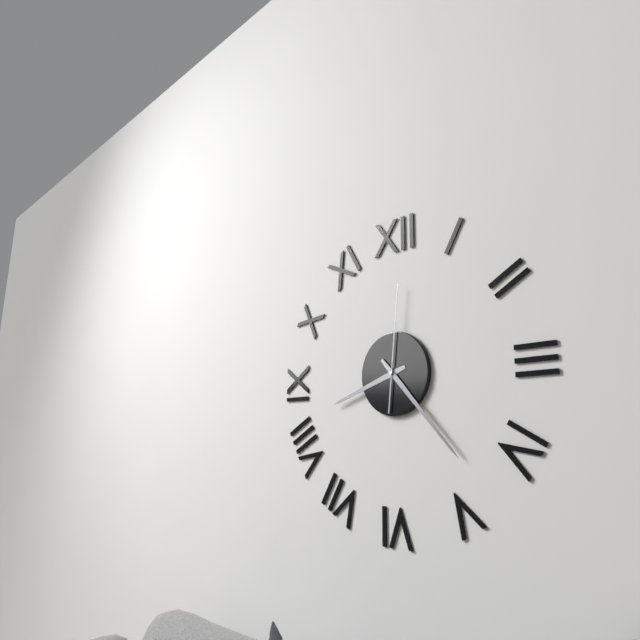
8:23:01
